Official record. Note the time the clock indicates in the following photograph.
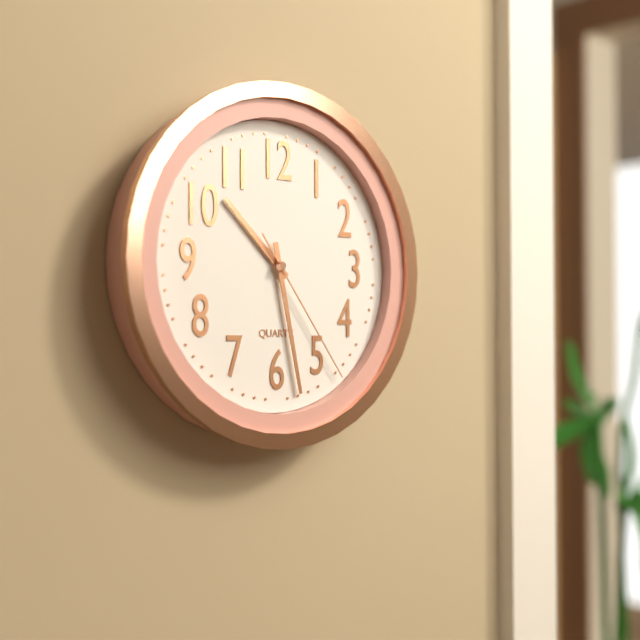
10:28:24
